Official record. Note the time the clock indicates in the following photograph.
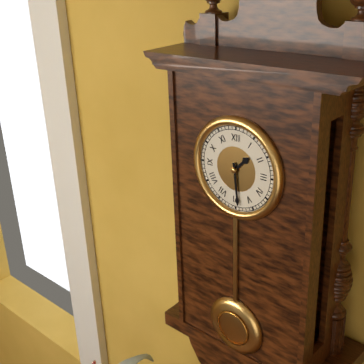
1:29
